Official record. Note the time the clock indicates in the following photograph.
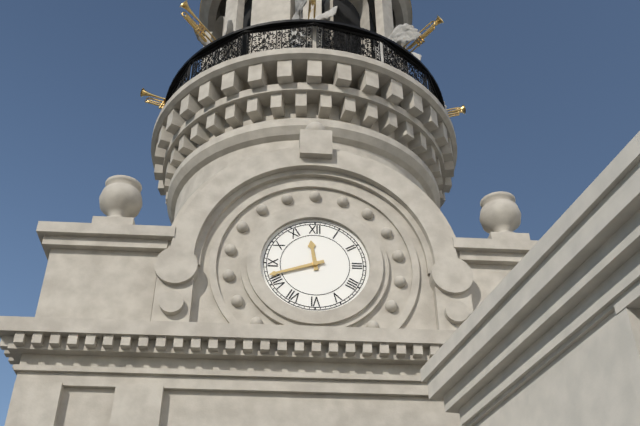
11:42
